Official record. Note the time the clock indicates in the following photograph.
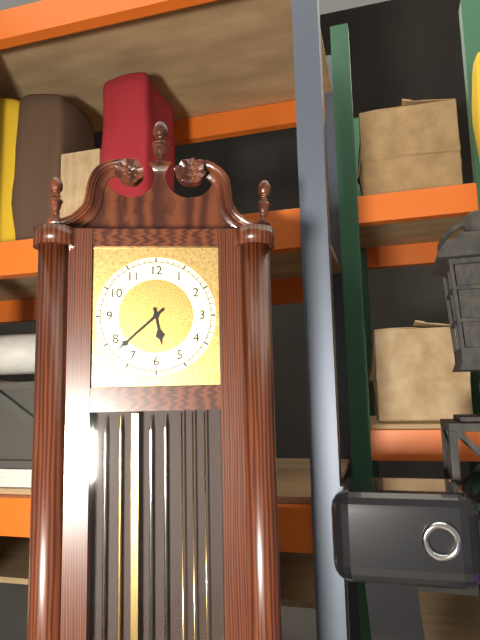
5:38
